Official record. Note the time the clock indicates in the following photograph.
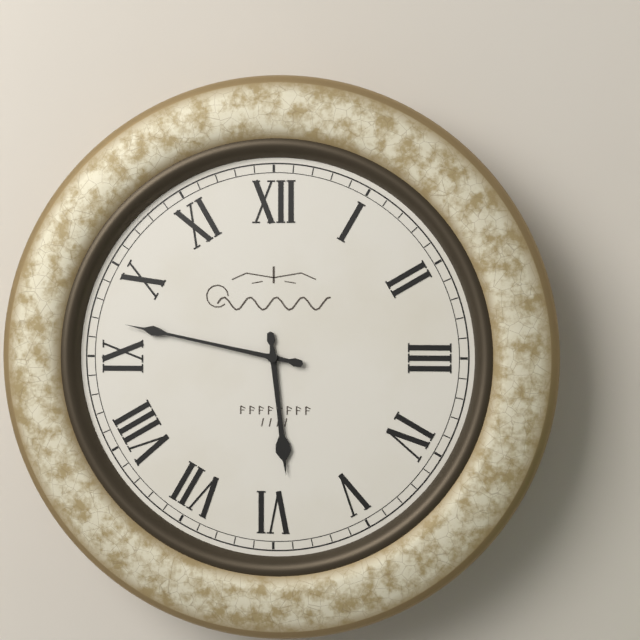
5:47
